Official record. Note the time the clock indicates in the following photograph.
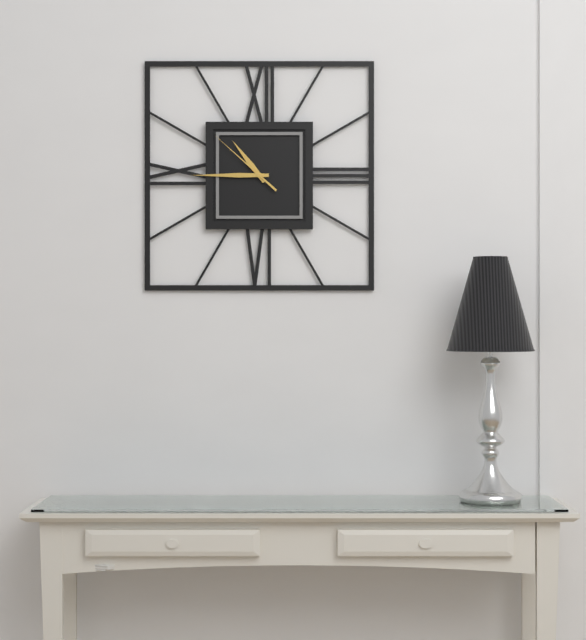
10:45:52
